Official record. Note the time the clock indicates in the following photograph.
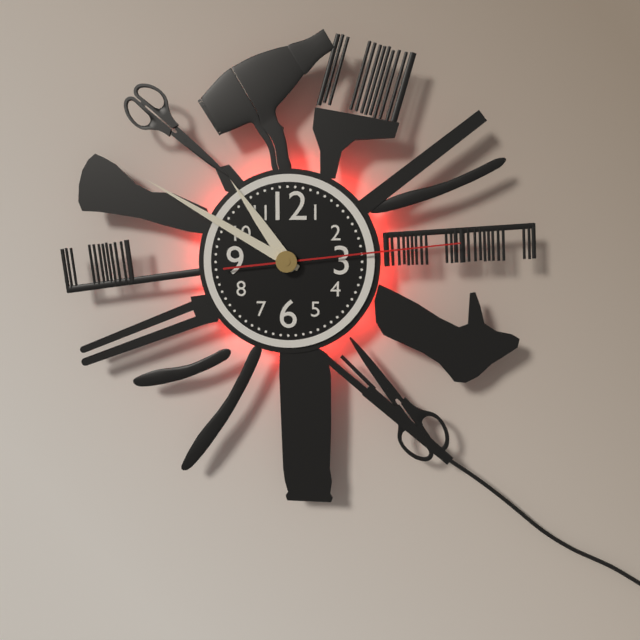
10:50:14
